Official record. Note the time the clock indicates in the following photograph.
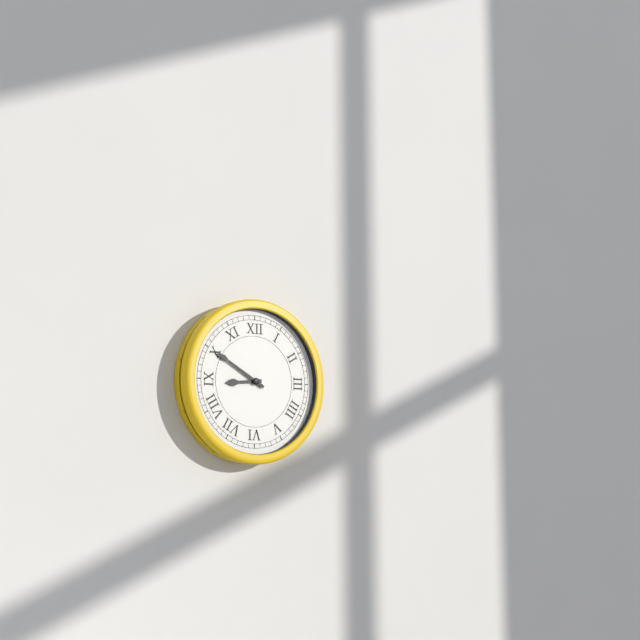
8:50
